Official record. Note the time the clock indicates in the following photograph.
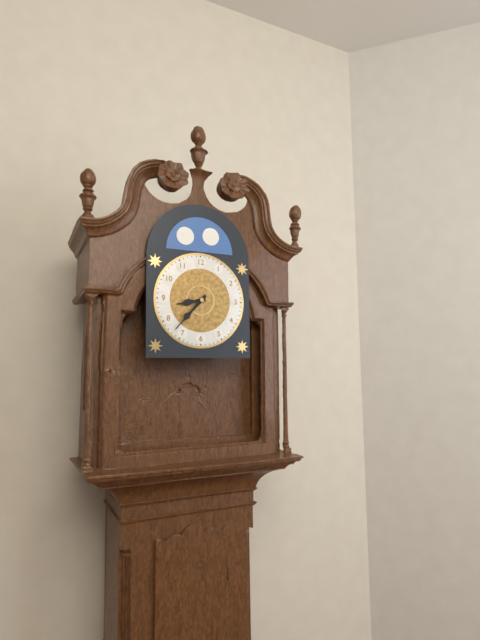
8:37
